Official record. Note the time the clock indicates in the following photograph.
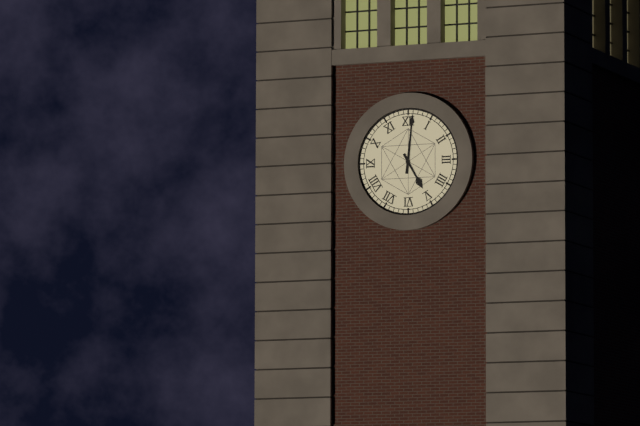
5:01
